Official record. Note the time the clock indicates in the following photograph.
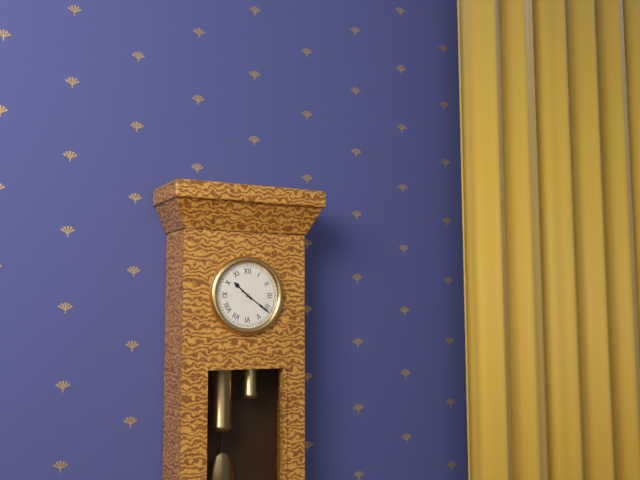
10:21
